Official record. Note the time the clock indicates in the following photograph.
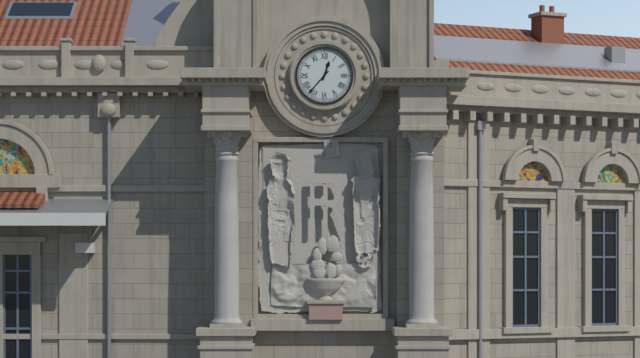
12:37
